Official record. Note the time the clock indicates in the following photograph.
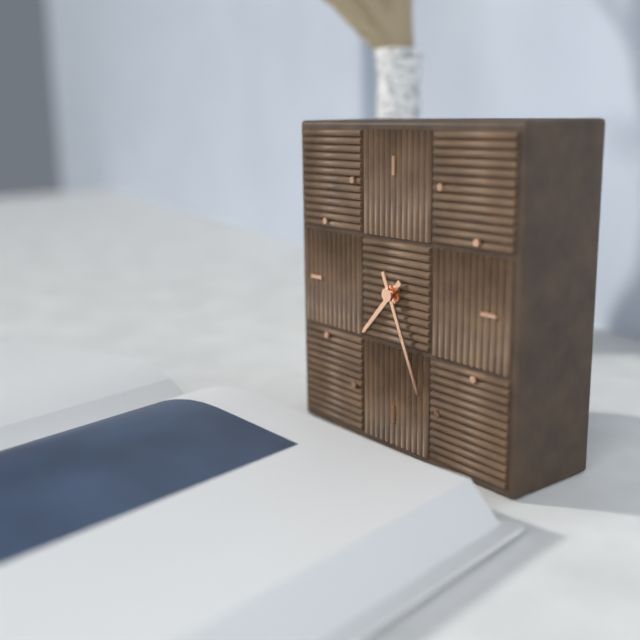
7:26
